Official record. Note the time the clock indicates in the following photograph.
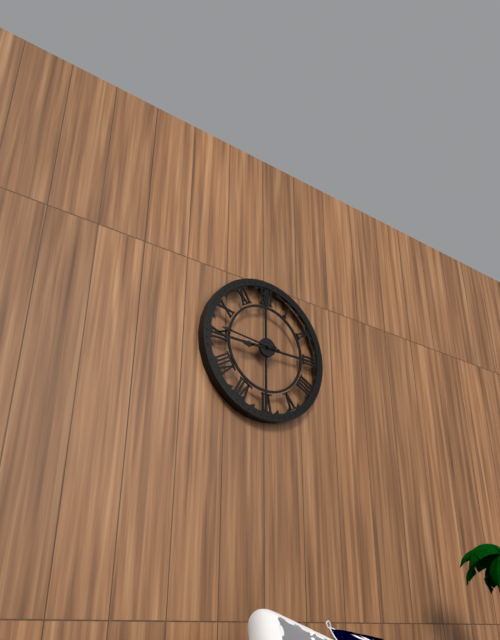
8:46
